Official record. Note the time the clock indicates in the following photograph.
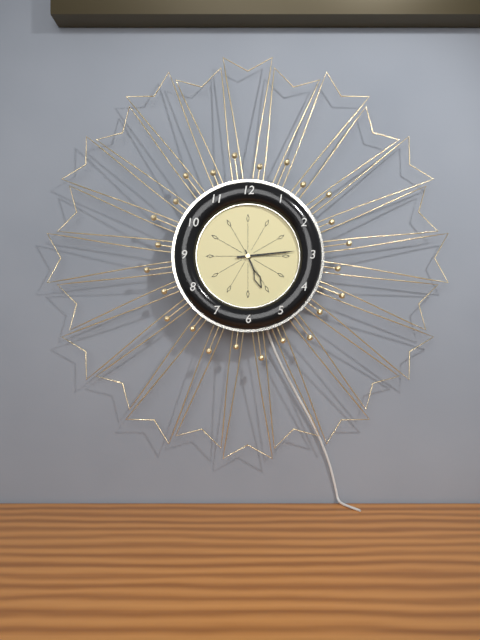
5:14
